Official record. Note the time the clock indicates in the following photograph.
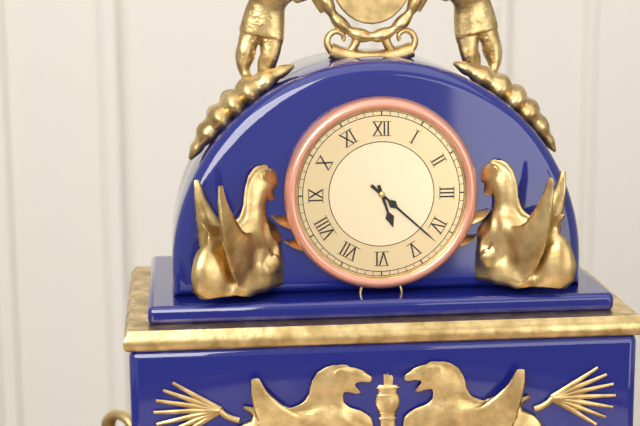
5:22
